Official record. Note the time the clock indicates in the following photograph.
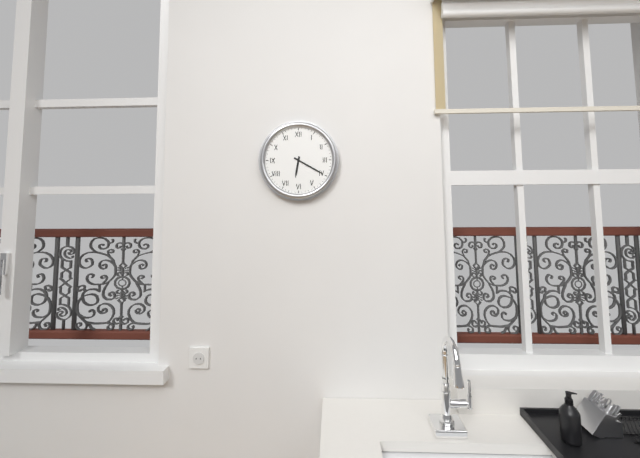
6:20
